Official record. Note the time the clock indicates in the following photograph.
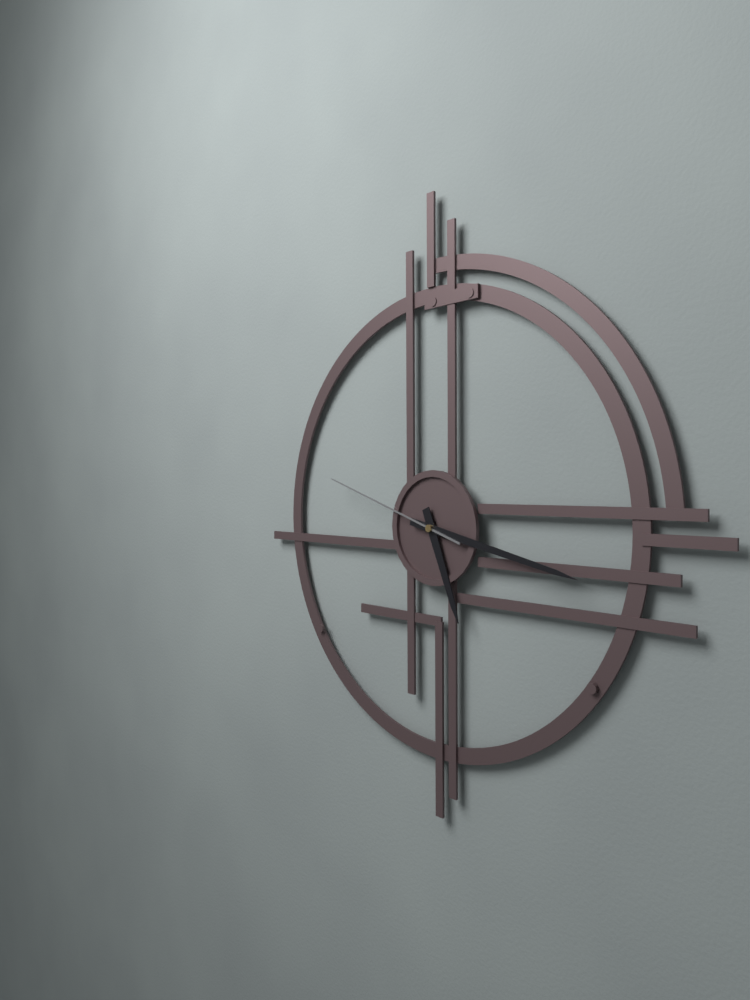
5:17:48
